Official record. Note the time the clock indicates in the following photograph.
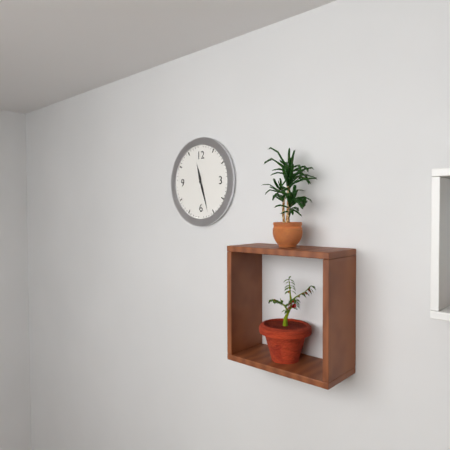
11:27
